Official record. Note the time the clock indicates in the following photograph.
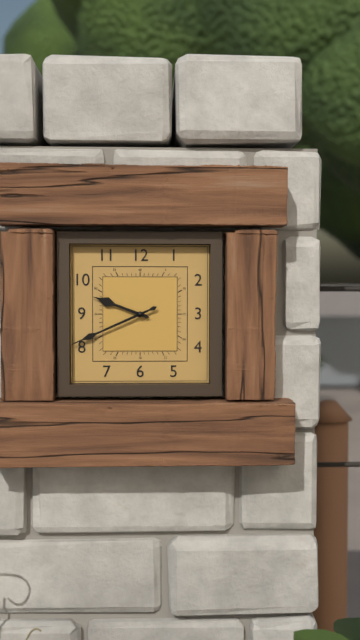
9:41
